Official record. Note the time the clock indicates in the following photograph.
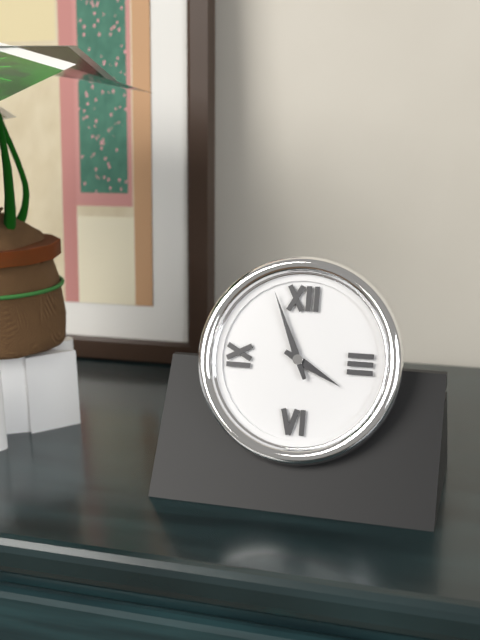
3:56
